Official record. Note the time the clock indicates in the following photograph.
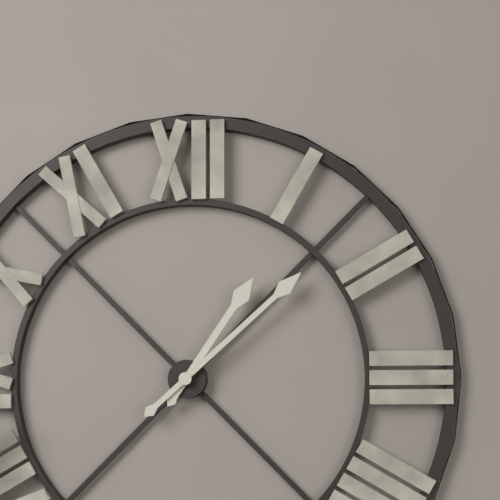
1:08
